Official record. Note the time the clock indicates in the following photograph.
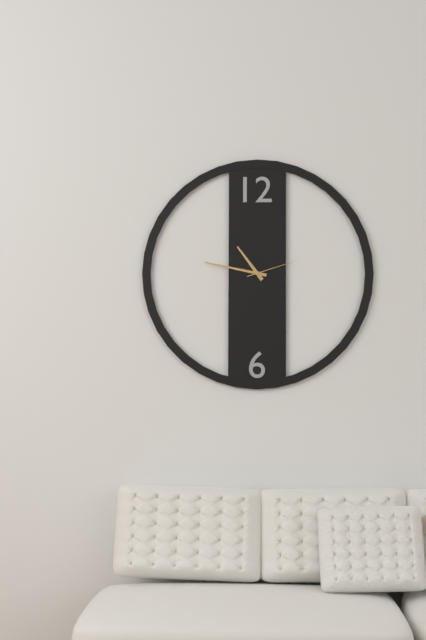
10:47
